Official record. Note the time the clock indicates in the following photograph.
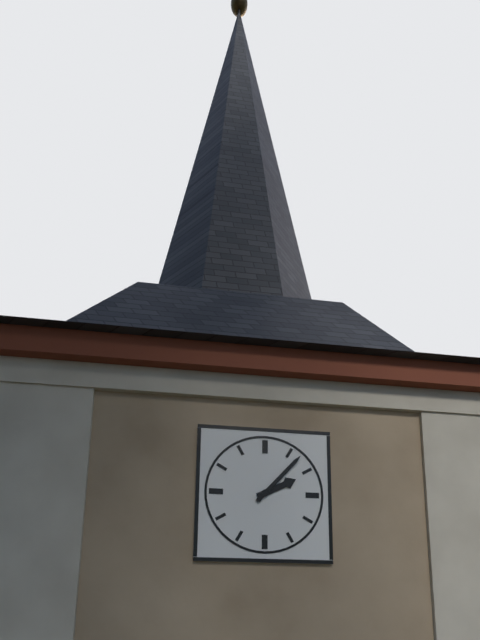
2:07
